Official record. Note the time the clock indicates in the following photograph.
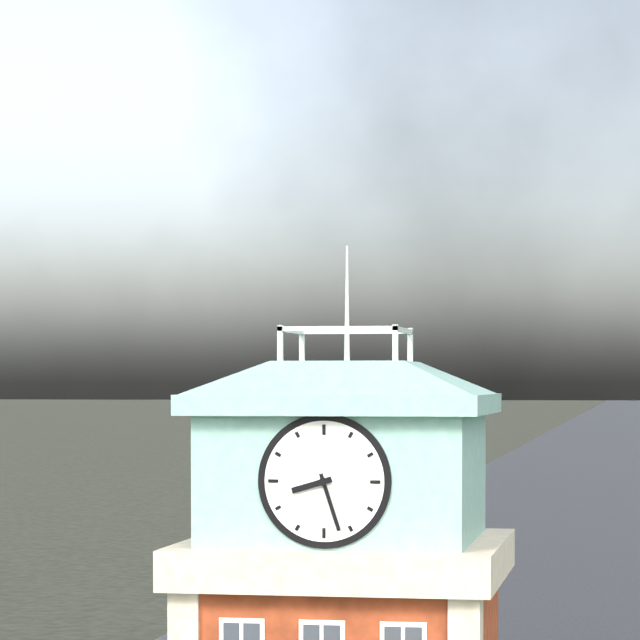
8:27
